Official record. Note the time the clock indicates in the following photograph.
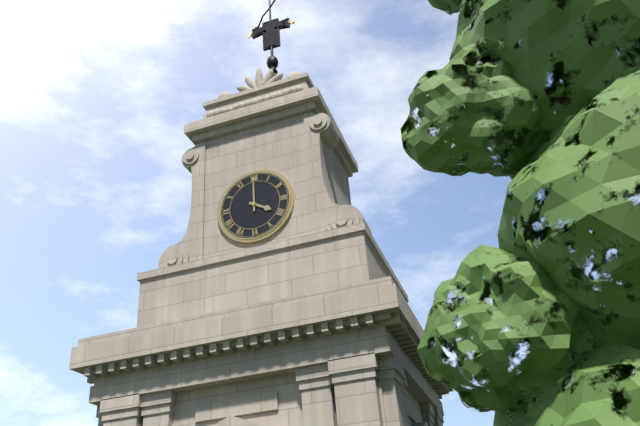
4:00
